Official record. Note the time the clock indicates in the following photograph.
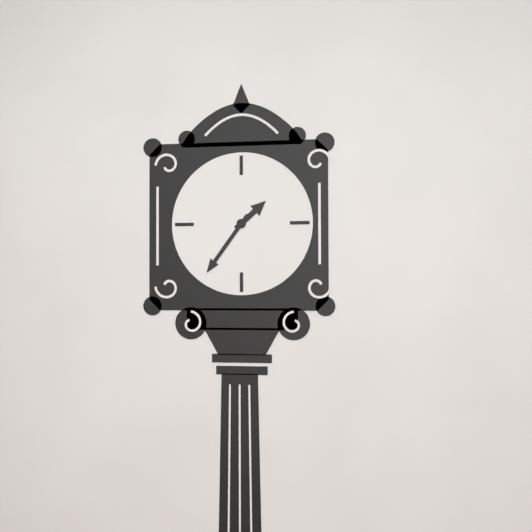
1:36
